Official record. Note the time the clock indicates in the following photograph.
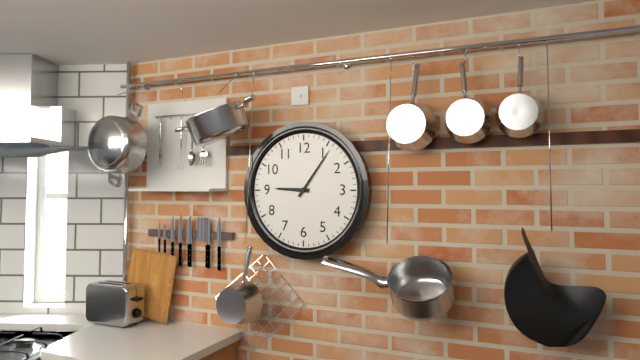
9:06
